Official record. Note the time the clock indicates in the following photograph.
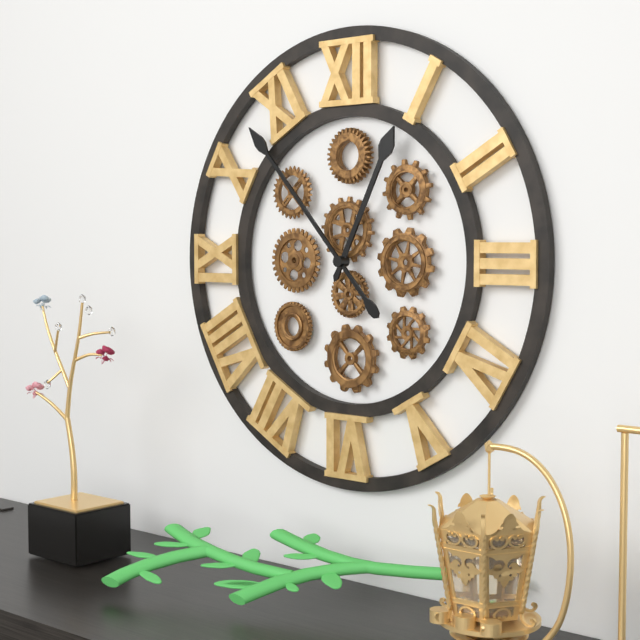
12:53
